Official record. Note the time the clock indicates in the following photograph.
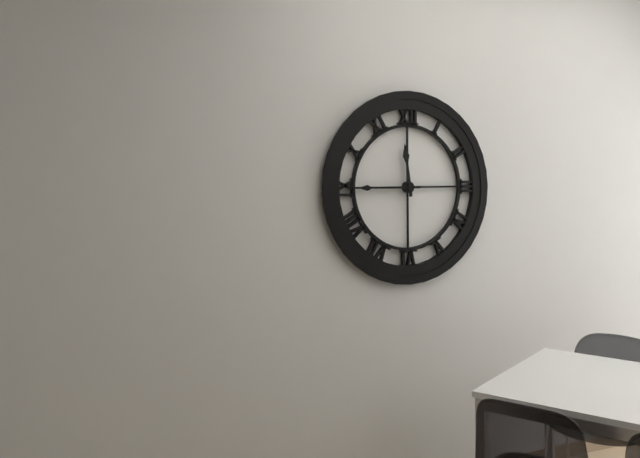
11:45
